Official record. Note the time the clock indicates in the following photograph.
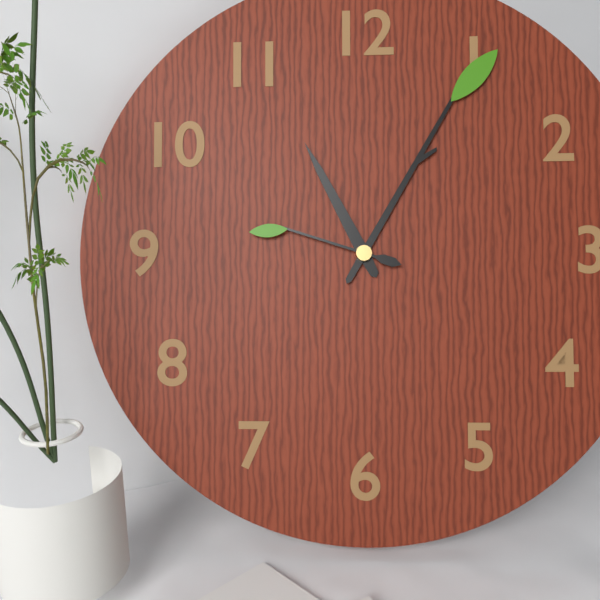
11:05:48
